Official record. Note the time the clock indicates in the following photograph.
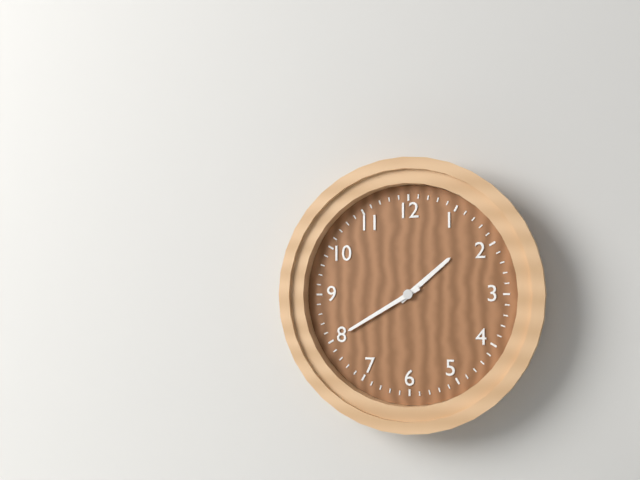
1:40
